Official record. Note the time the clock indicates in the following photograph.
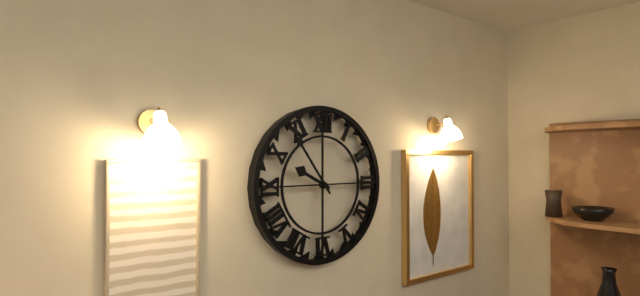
9:54
